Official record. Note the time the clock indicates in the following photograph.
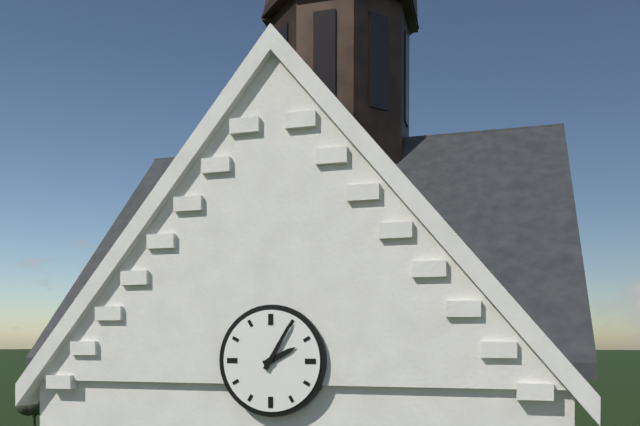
2:05
